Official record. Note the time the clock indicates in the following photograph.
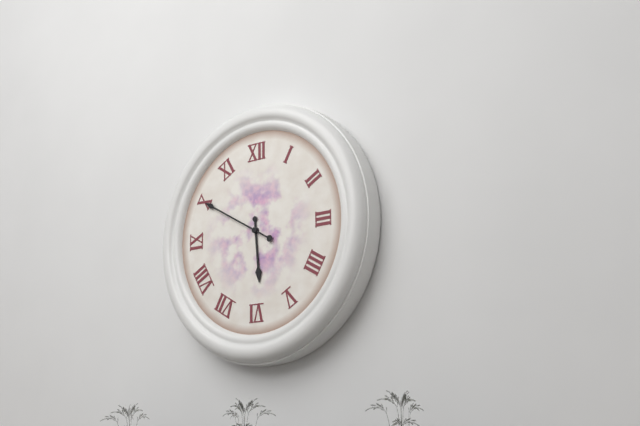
5:50
